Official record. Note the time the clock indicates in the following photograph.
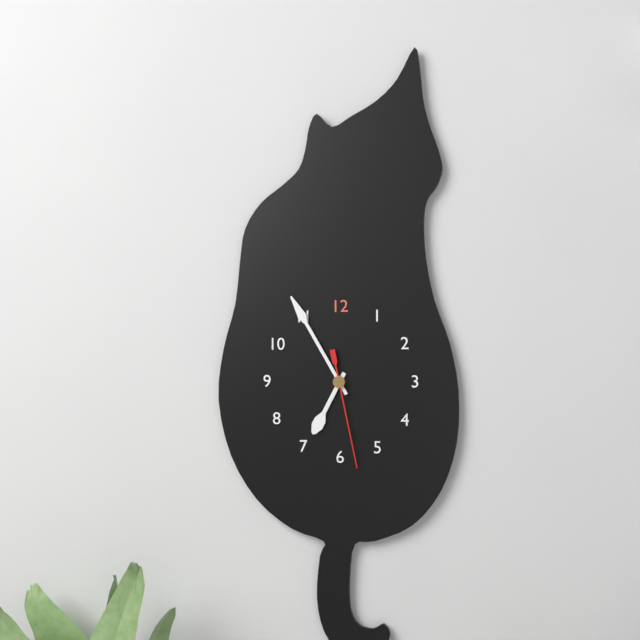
6:55:28
